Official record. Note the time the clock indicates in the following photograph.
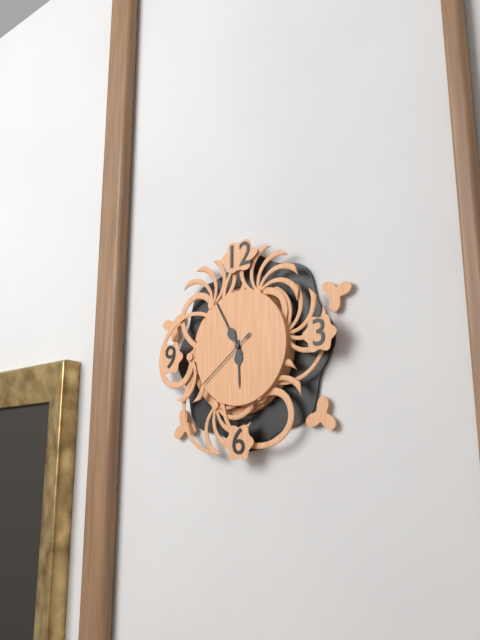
5:55:39
